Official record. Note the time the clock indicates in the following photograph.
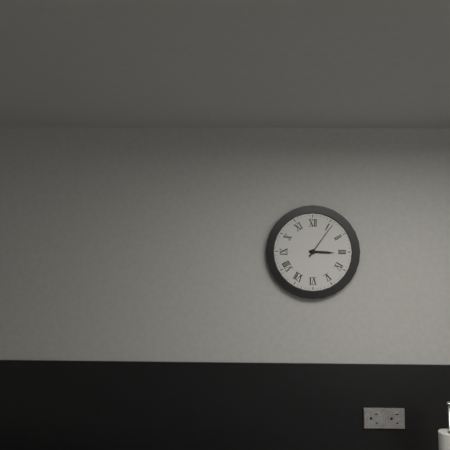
3:06
